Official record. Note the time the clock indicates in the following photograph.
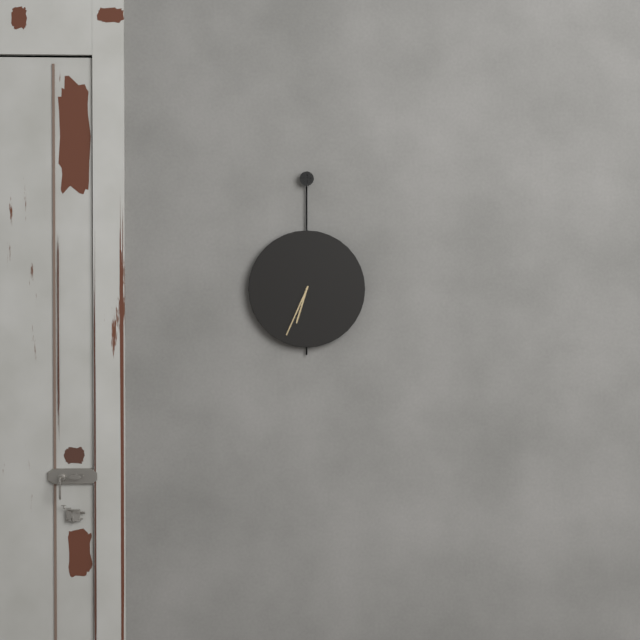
6:34
